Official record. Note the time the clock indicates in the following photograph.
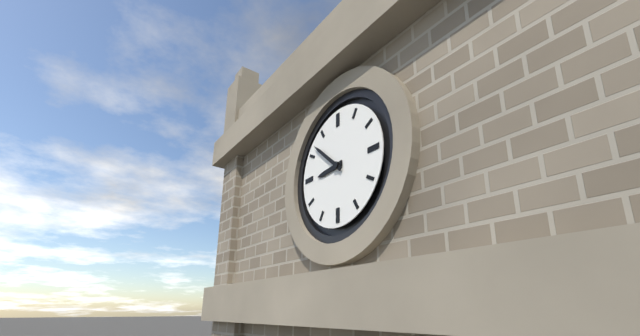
8:52
